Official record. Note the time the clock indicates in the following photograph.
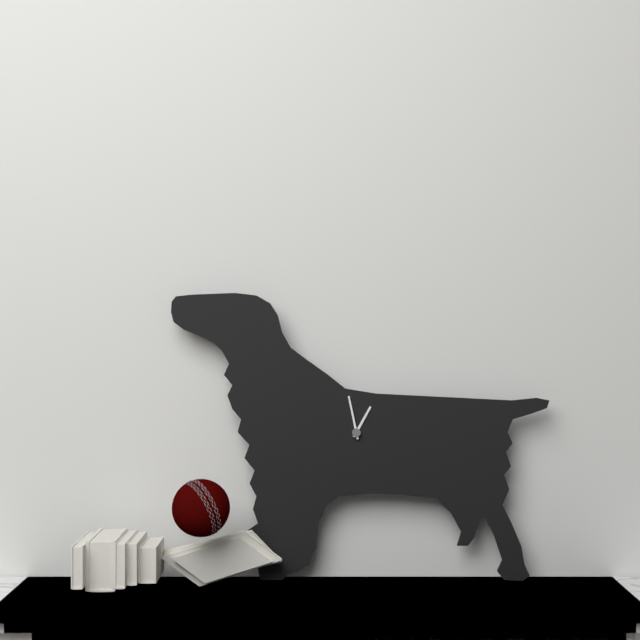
12:58
